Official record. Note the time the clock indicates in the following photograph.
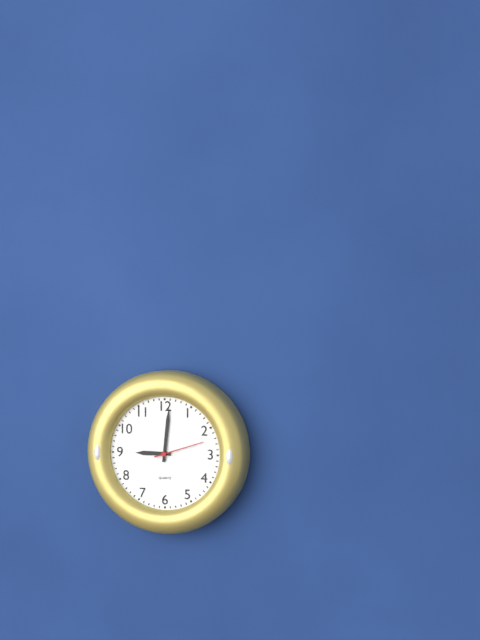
9:01
